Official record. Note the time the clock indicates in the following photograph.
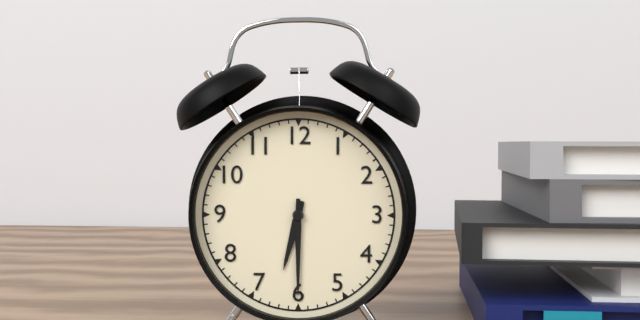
6:30
